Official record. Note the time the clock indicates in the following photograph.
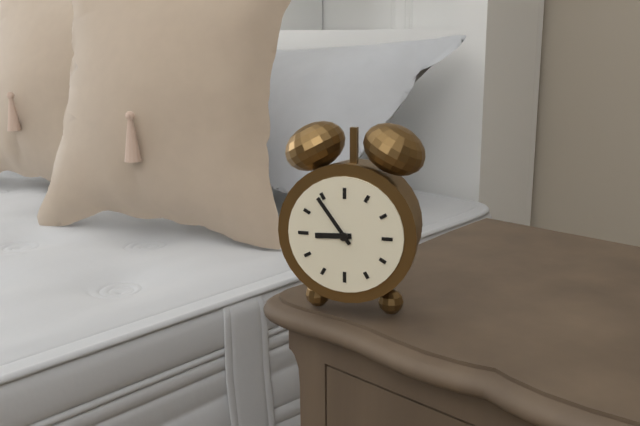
8:54
